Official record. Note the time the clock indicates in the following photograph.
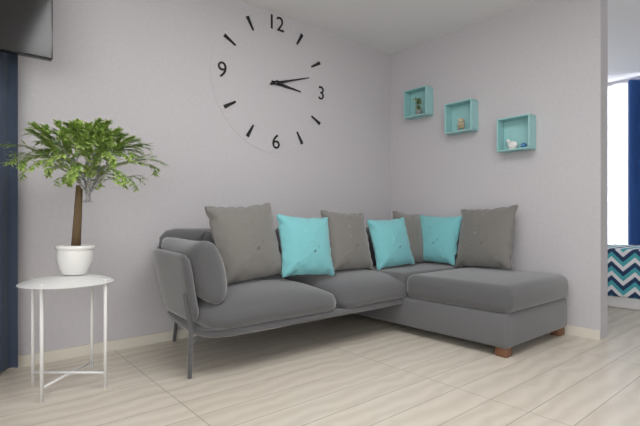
3:12
